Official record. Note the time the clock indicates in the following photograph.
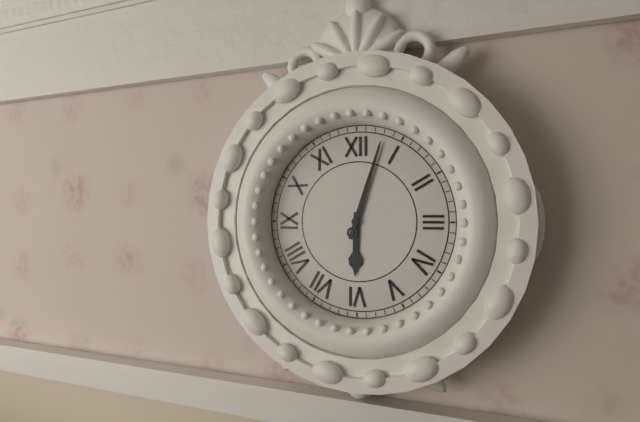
6:03
